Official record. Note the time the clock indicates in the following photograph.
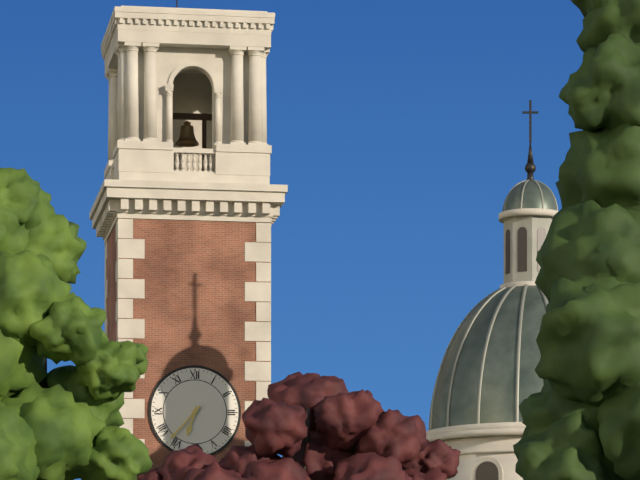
6:37
